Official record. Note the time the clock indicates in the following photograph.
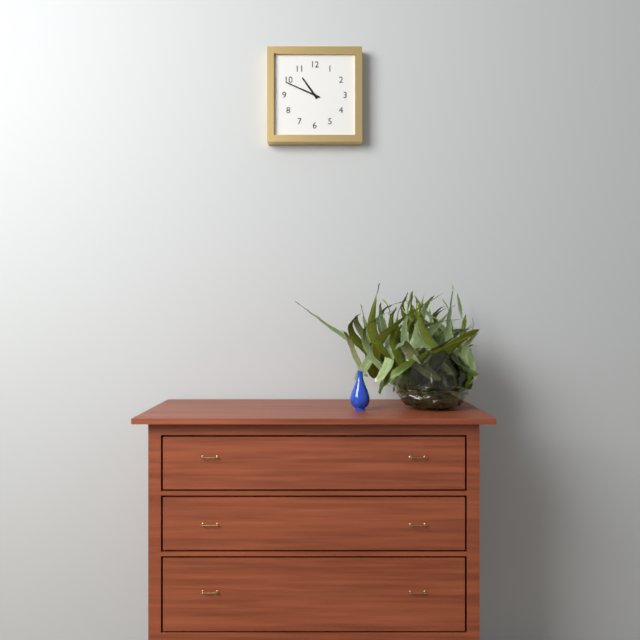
10:49
